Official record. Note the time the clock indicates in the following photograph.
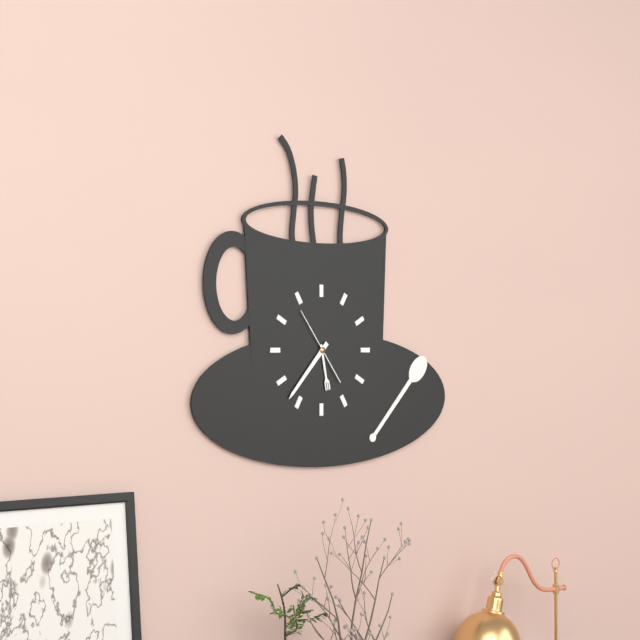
5:37:54
